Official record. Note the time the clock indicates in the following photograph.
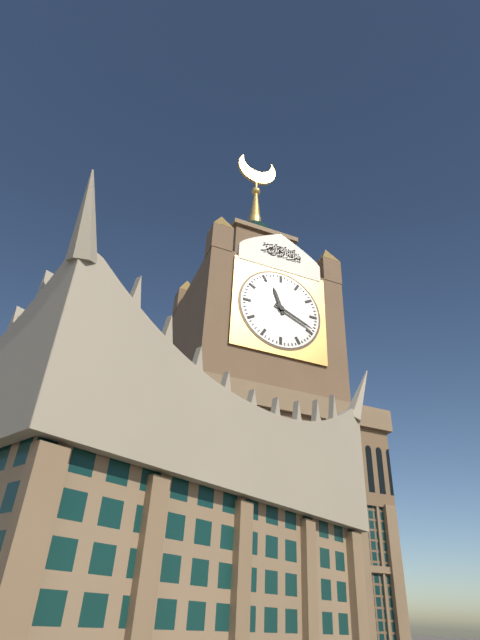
11:19
